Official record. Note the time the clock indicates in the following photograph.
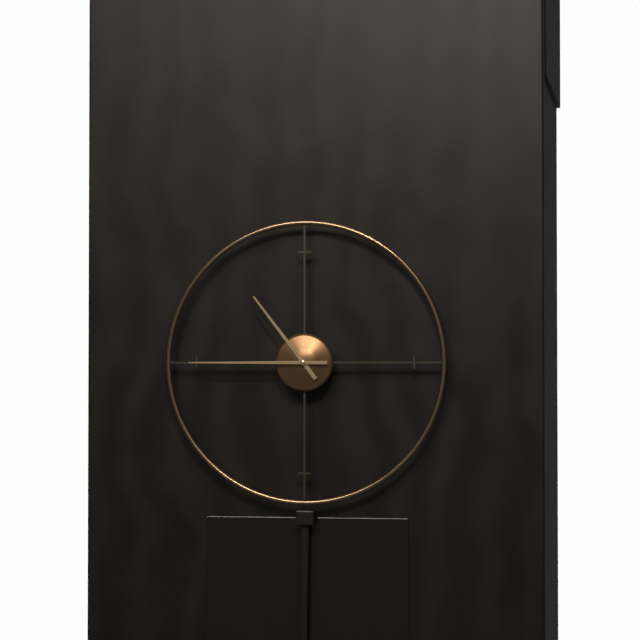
10:45
